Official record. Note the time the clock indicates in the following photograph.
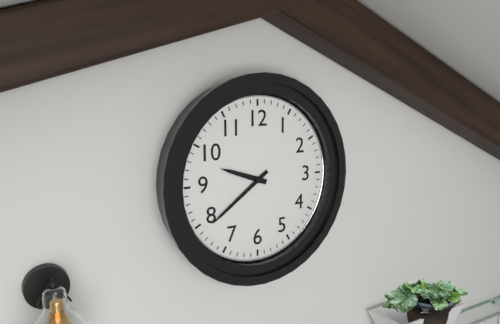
9:39
